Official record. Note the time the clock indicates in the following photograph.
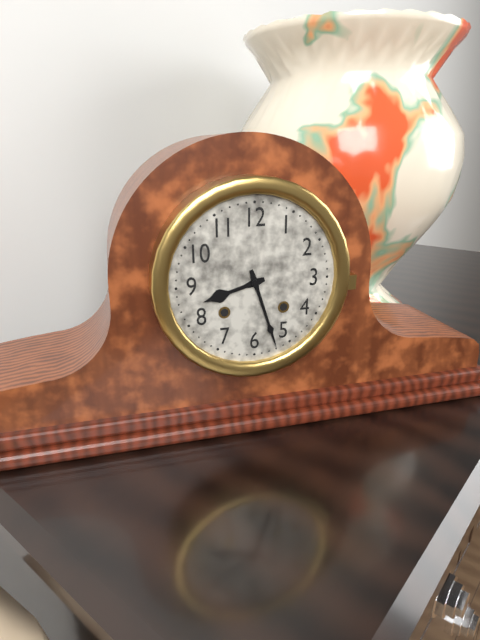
8:27
